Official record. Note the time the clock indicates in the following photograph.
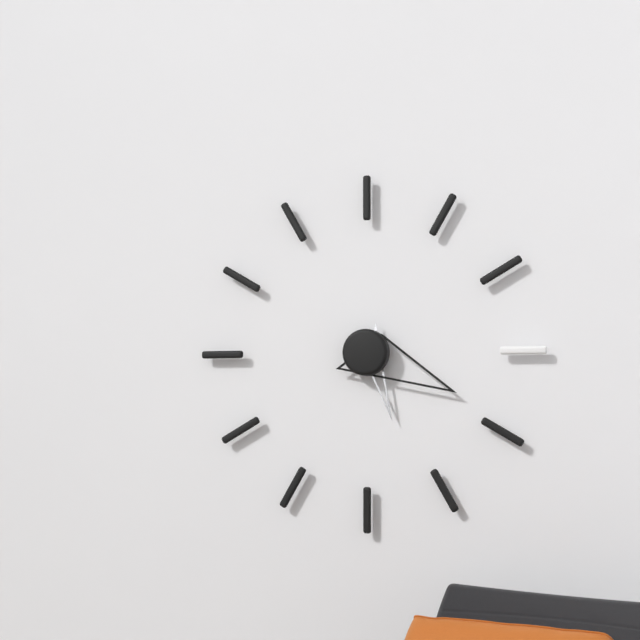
5:19
